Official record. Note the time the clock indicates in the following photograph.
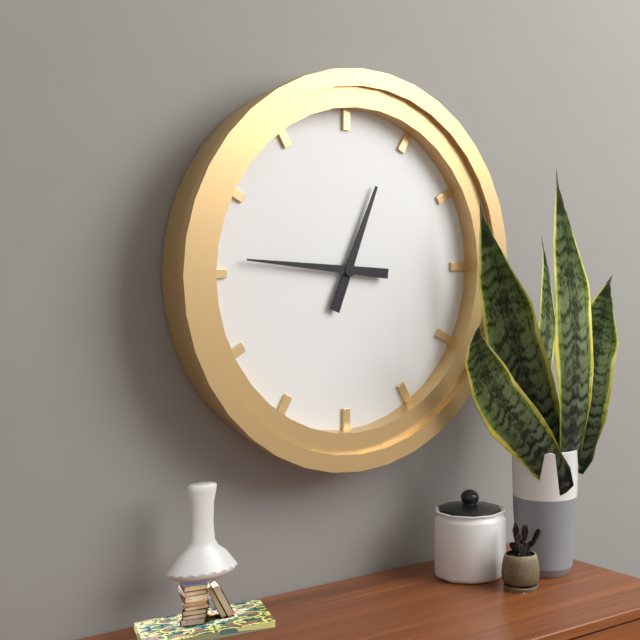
12:46
